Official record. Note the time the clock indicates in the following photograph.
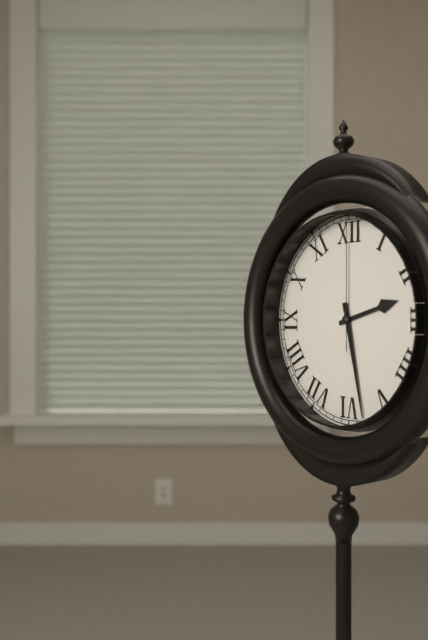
2:28:00
